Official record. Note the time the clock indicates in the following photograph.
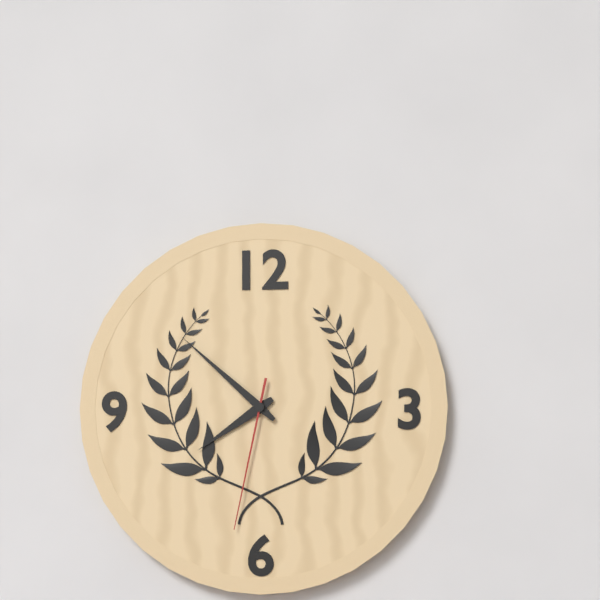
7:52:32
